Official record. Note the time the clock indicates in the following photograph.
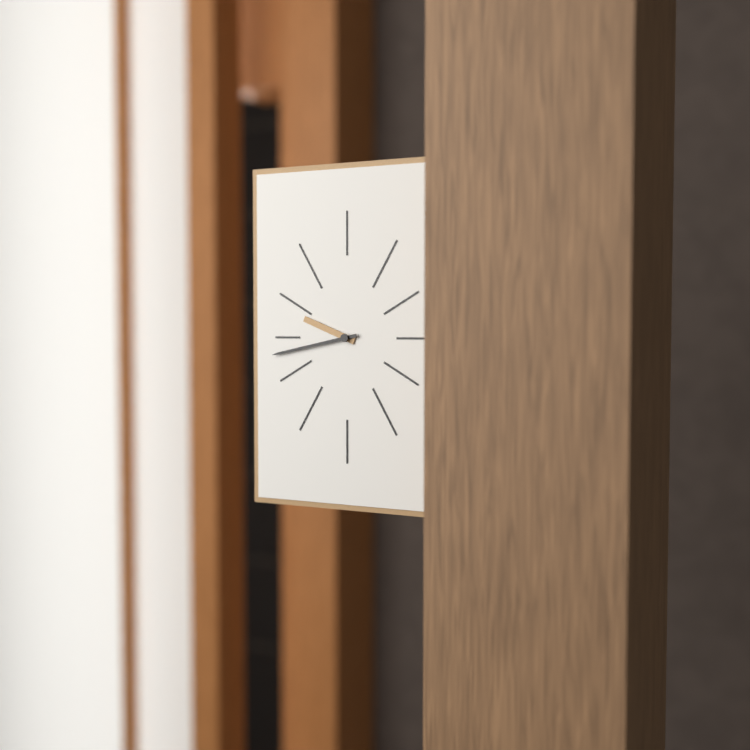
9:43
